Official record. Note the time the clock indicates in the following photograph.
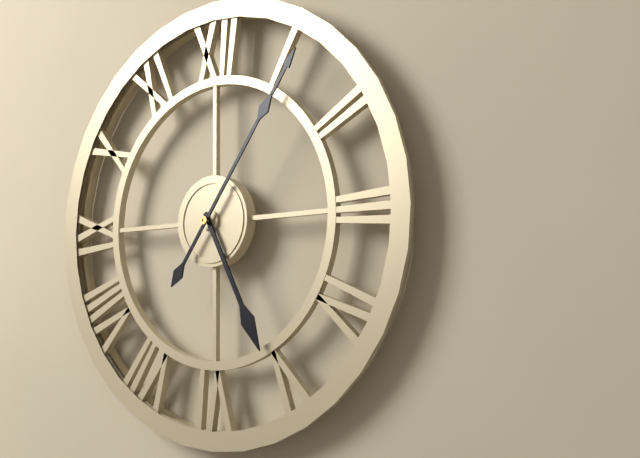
5:06
